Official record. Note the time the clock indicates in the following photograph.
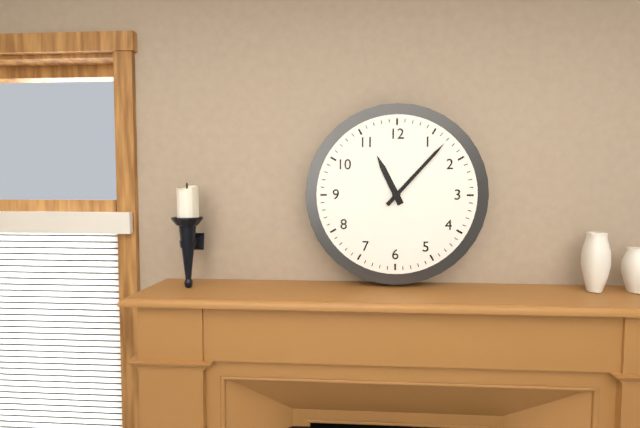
11:07
